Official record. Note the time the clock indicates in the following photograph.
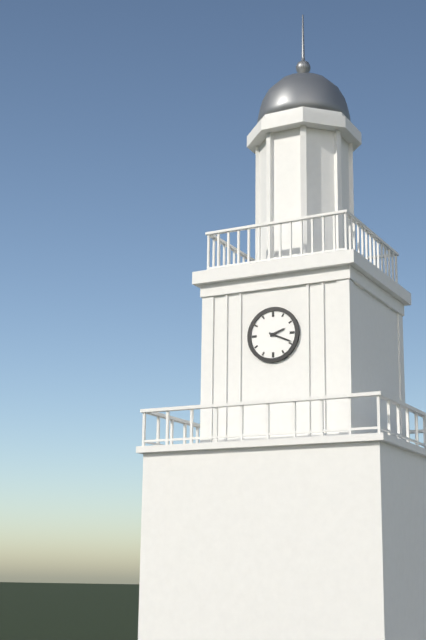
2:19
